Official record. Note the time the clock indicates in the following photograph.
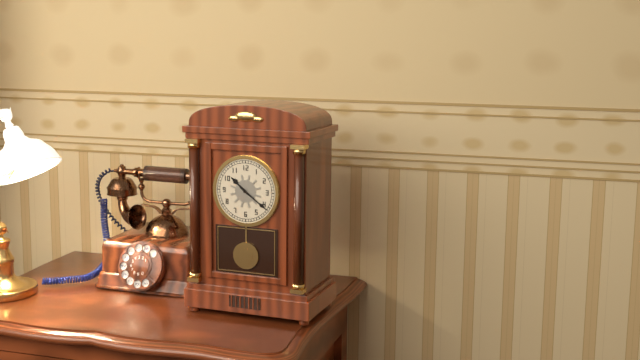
10:21
